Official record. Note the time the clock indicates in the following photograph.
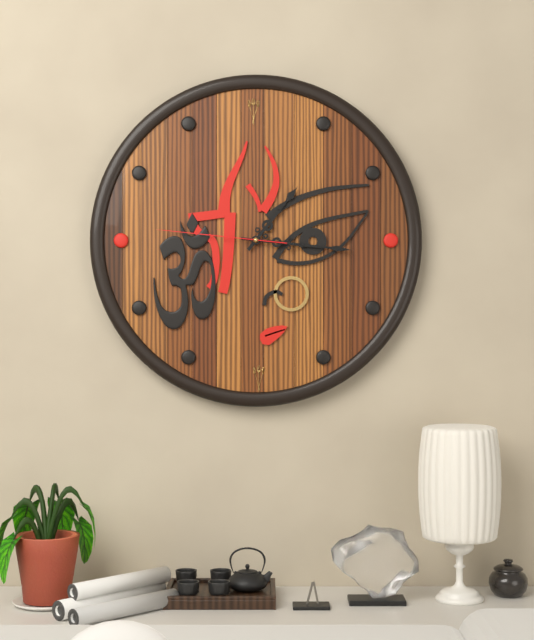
1:16:46
